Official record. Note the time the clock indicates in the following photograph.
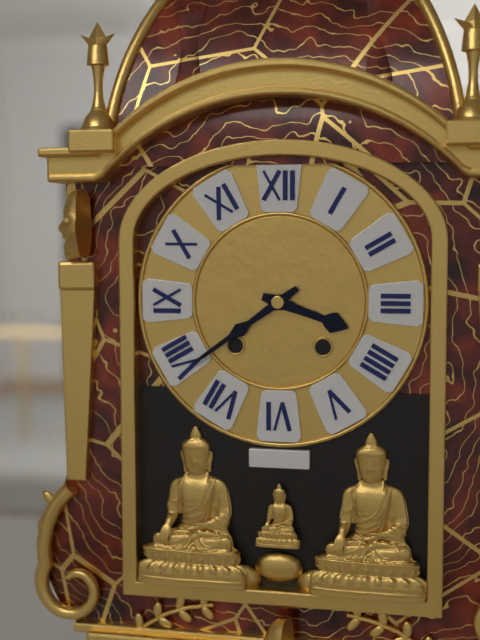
3:39
